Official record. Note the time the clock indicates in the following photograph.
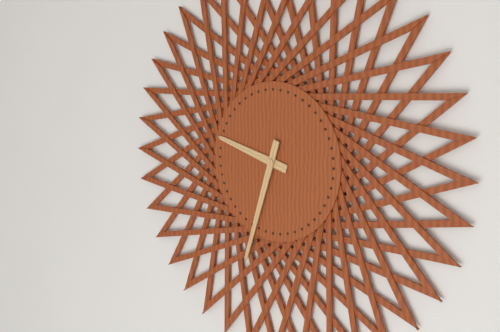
9:33
